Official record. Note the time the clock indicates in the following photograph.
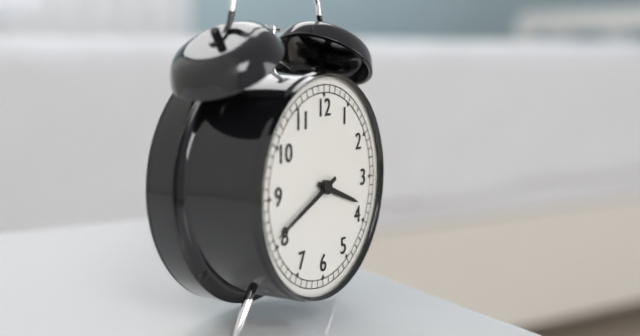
3:41
